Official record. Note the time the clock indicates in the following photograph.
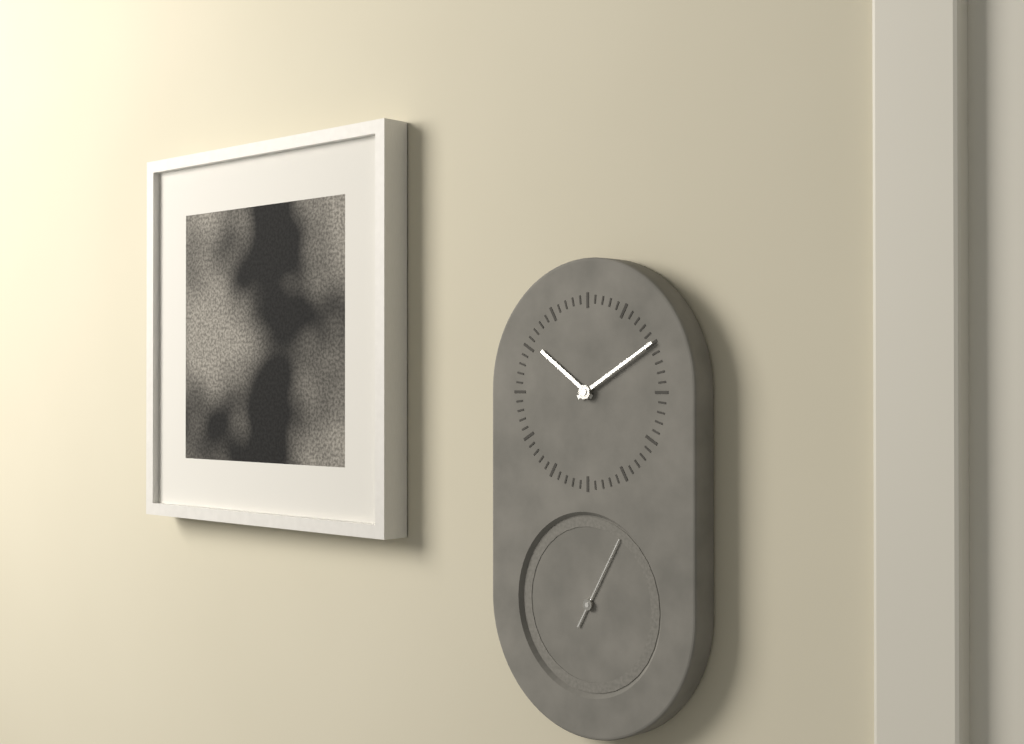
10:10:05
